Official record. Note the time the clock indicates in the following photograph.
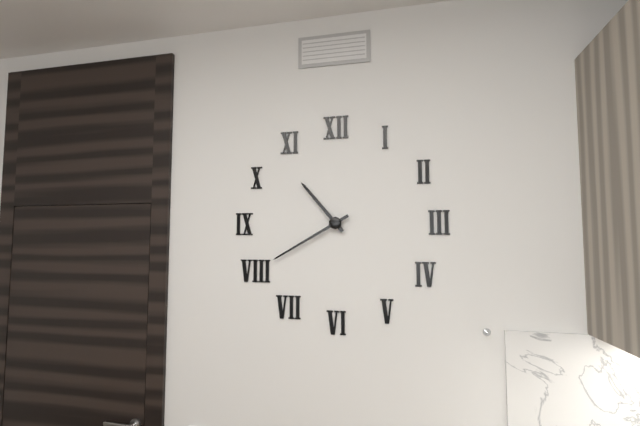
10:40
